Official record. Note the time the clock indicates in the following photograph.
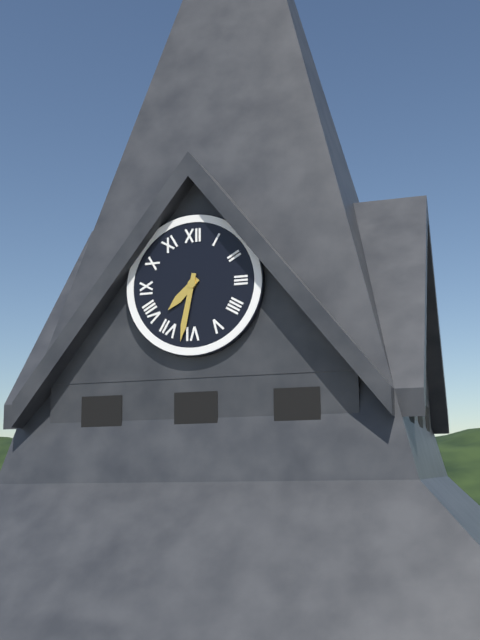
7:32
